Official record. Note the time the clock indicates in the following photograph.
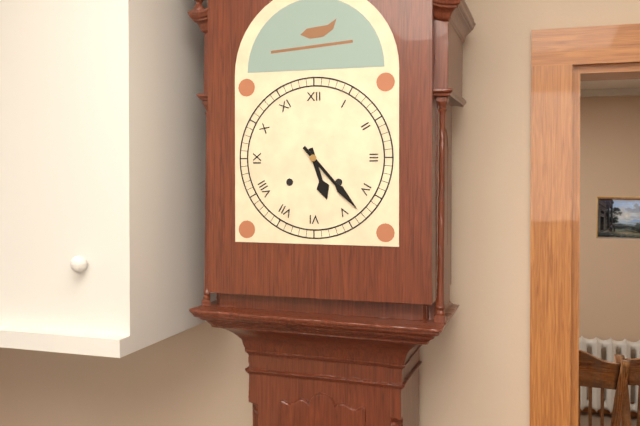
5:23
